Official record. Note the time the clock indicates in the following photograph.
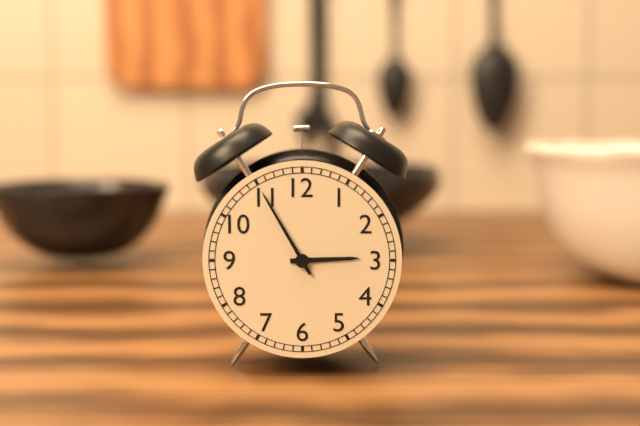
2:55
